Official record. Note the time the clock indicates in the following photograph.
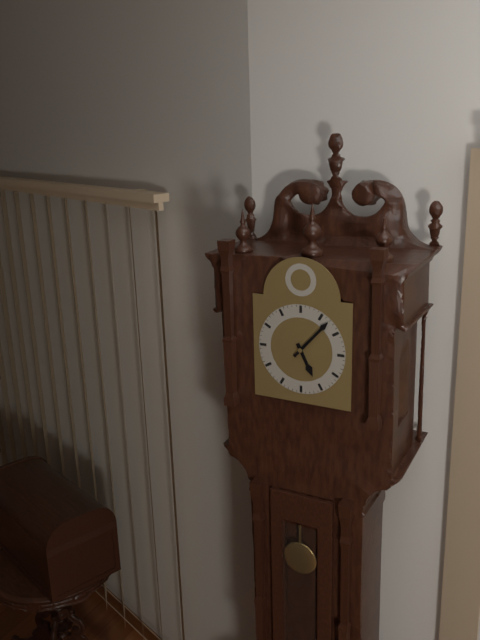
5:07
